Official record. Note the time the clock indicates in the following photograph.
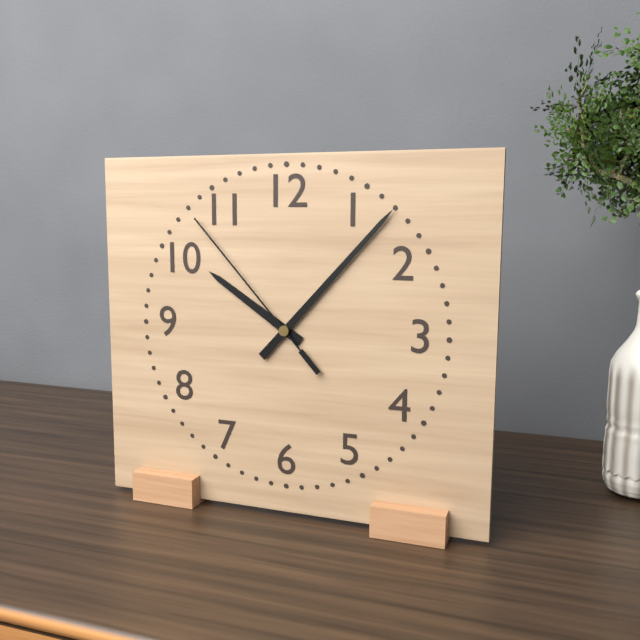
10:07:53
